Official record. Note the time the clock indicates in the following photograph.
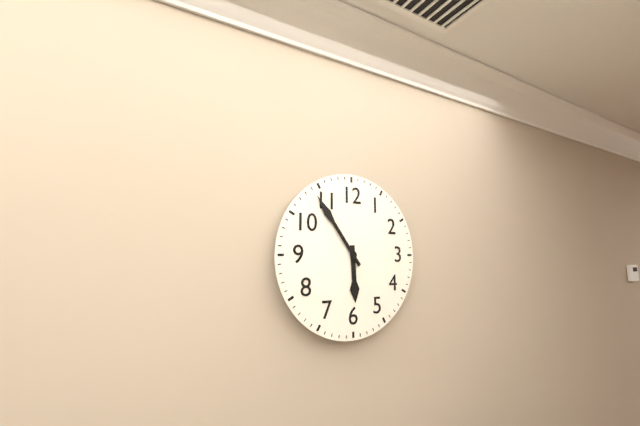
5:54
